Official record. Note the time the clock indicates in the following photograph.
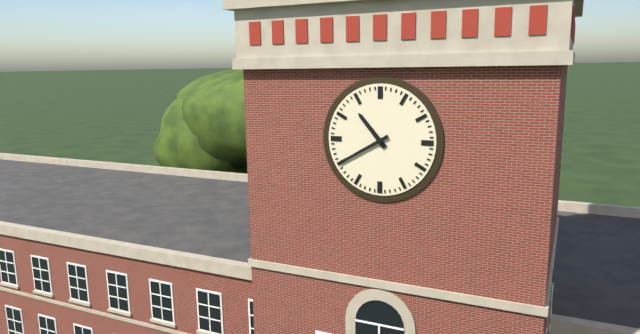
10:40
